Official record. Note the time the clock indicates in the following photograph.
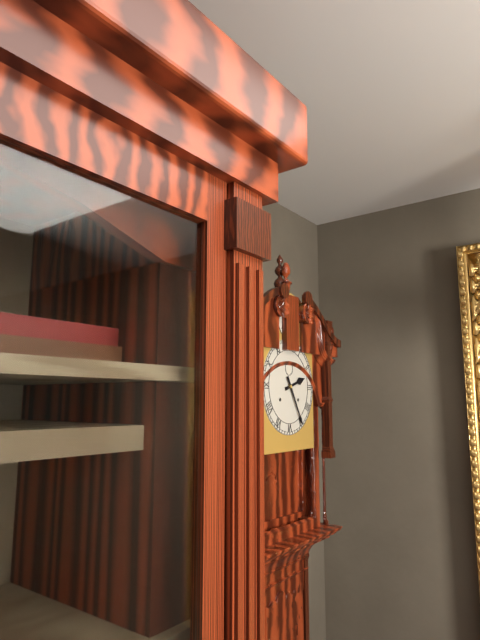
2:25
